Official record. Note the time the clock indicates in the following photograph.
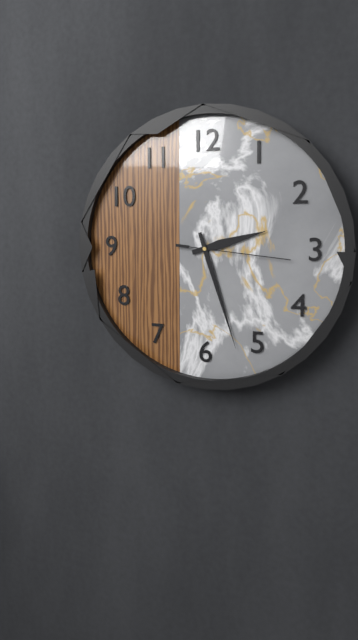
2:27:16
